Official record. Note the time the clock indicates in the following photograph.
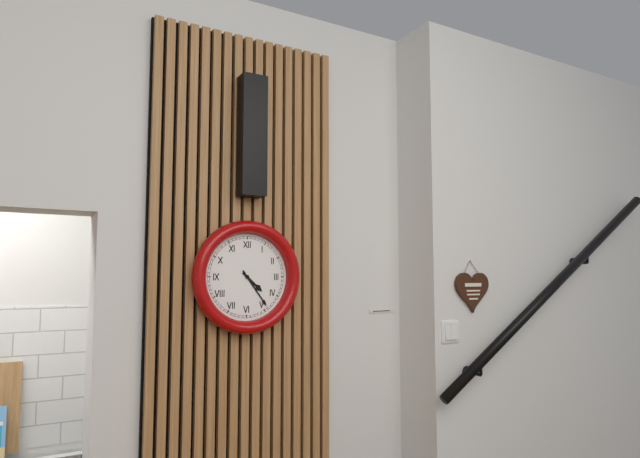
4:24
